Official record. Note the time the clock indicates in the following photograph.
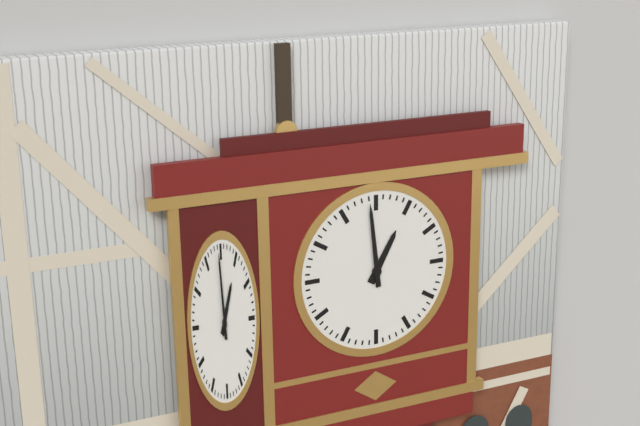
12:59
